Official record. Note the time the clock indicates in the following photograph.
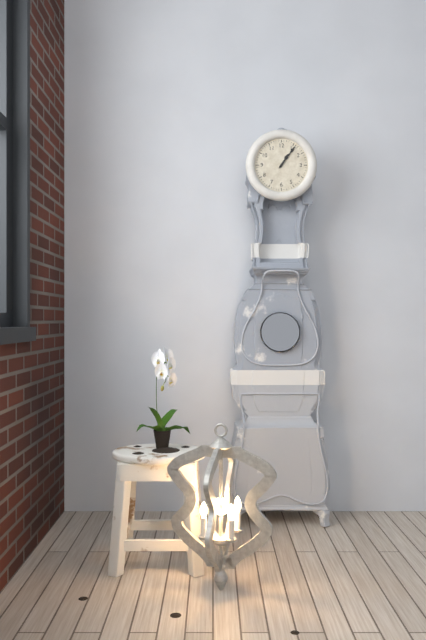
1:06
